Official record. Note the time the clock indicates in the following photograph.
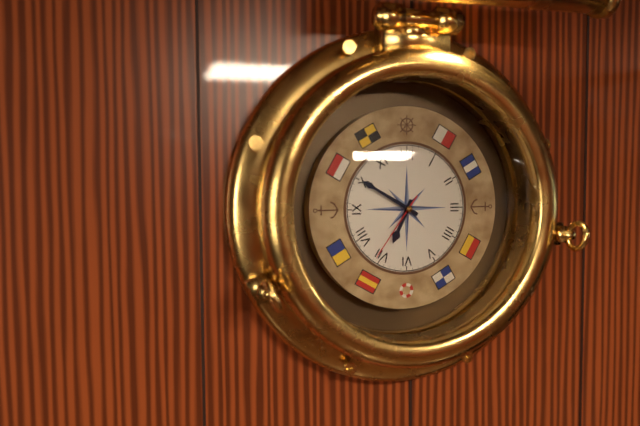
6:50:36
